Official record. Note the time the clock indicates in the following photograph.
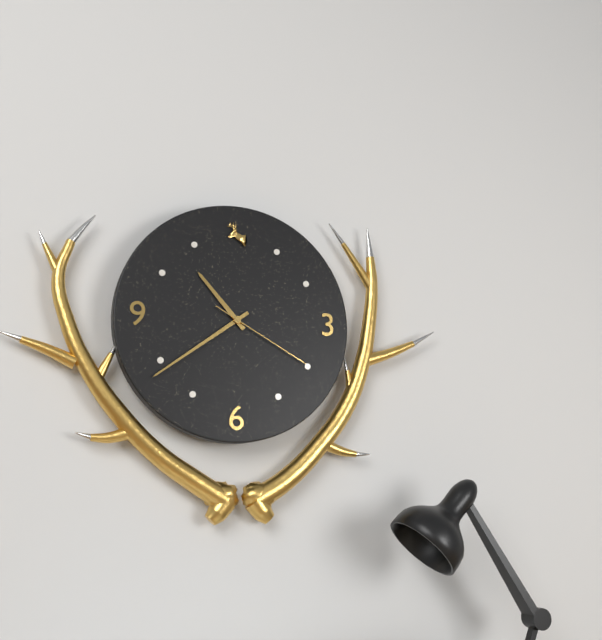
10:39:20
